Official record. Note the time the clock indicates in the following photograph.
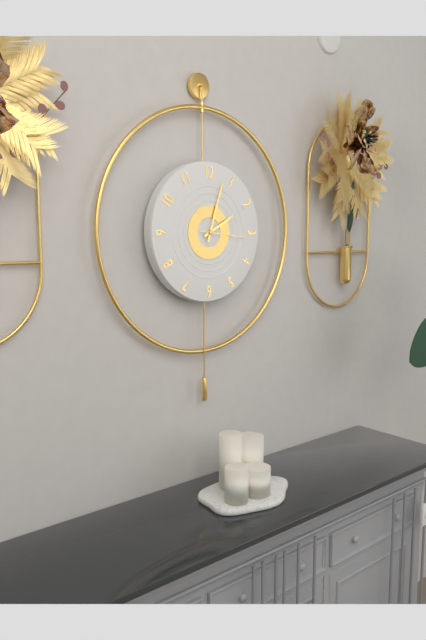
2:03
